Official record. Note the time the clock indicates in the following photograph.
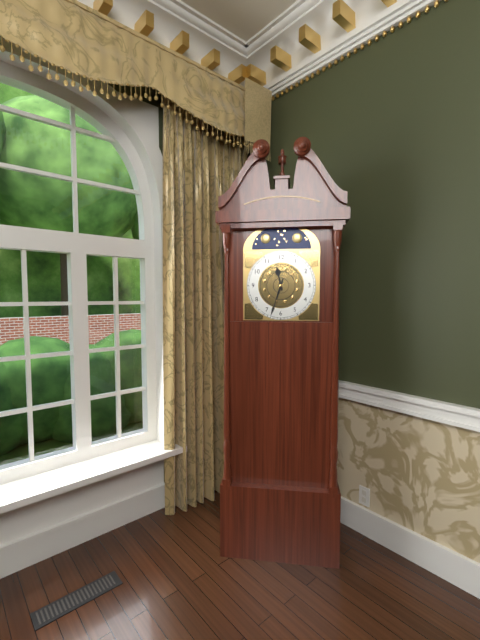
11:33
